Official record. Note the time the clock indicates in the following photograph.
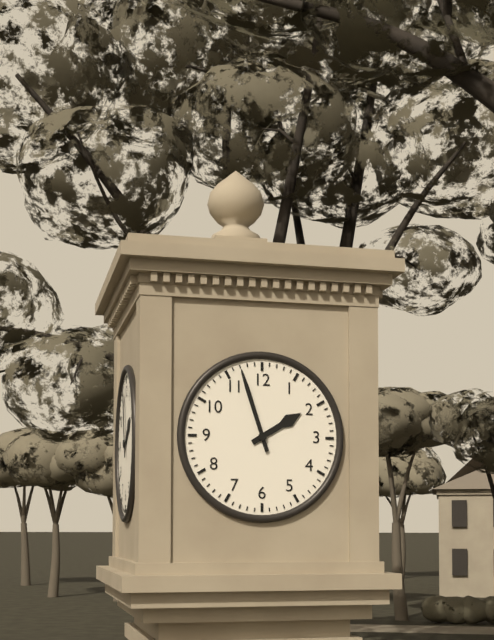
1:57
